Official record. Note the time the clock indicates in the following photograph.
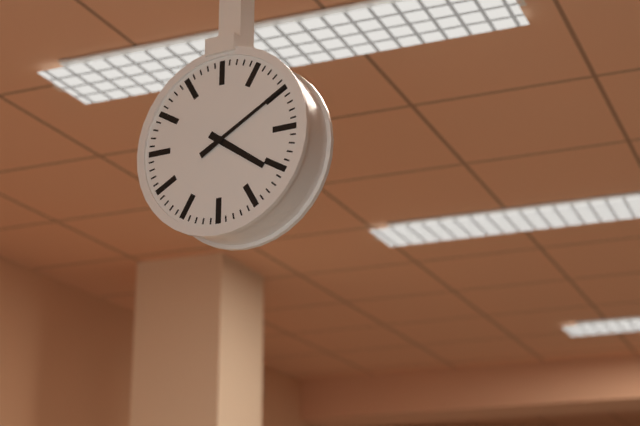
4:10
